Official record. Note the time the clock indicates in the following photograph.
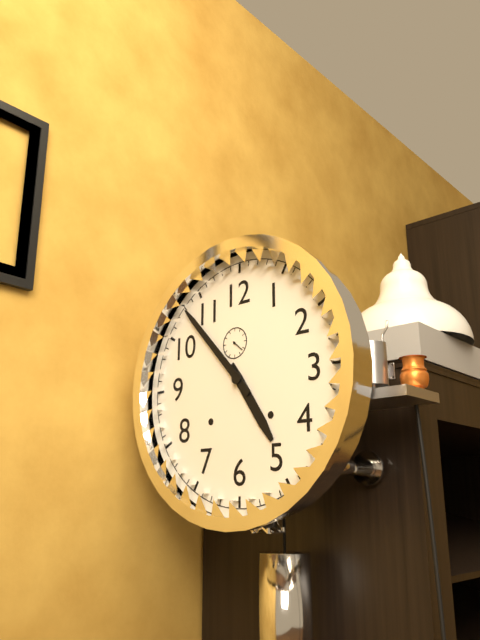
4:53
